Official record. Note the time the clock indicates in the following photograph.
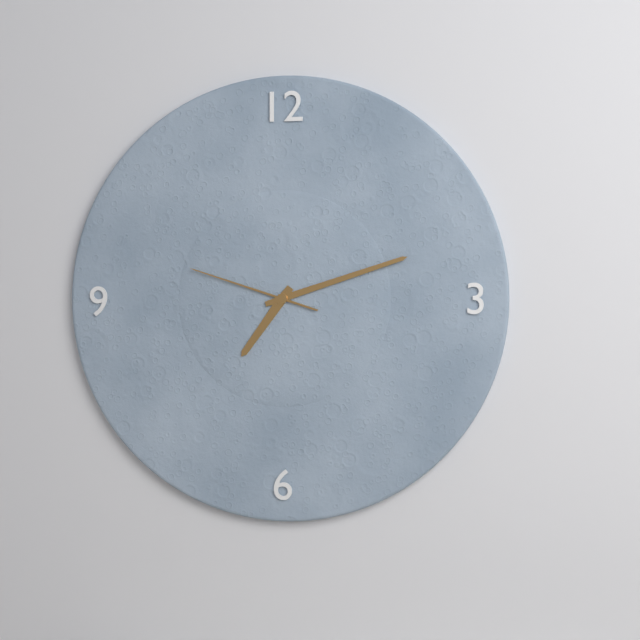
7:12:48
